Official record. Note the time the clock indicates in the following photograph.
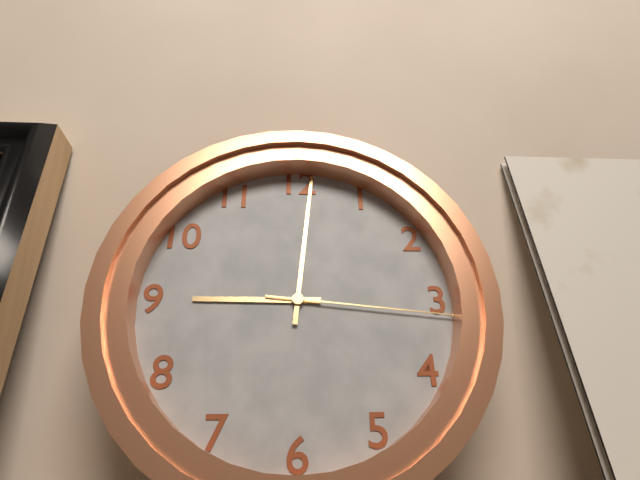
9:01:16
